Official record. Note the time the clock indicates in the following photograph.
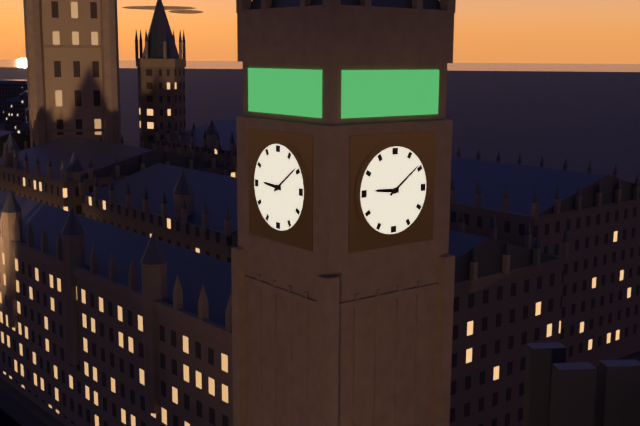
9:09
